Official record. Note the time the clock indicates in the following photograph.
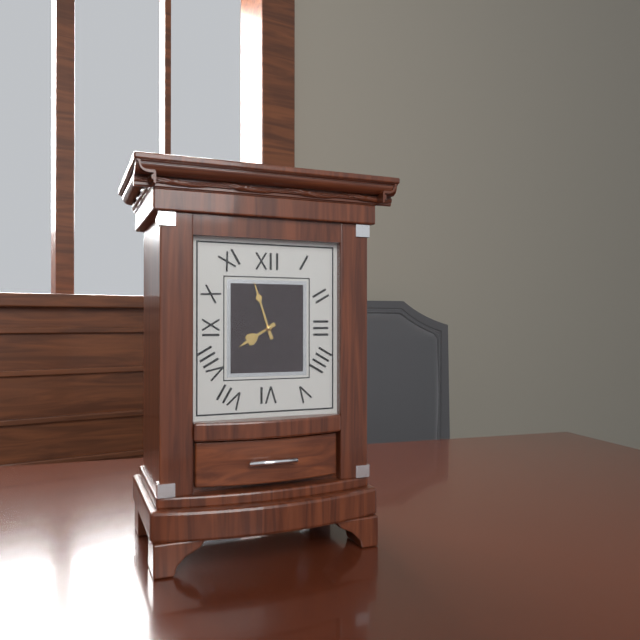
7:57
